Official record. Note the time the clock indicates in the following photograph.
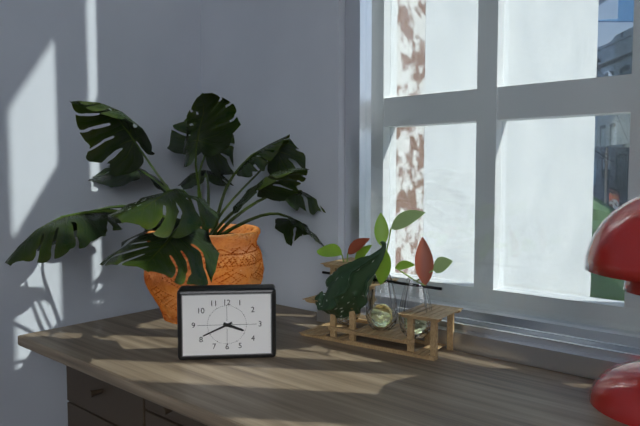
3:41
